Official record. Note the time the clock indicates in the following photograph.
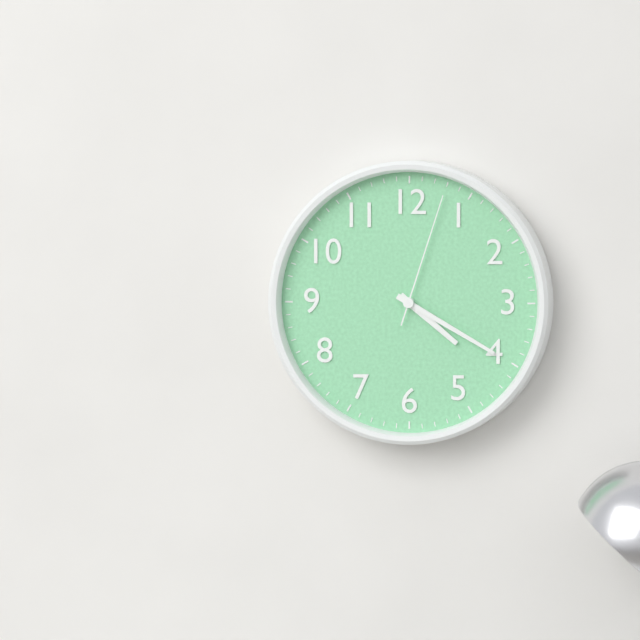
4:20:03
